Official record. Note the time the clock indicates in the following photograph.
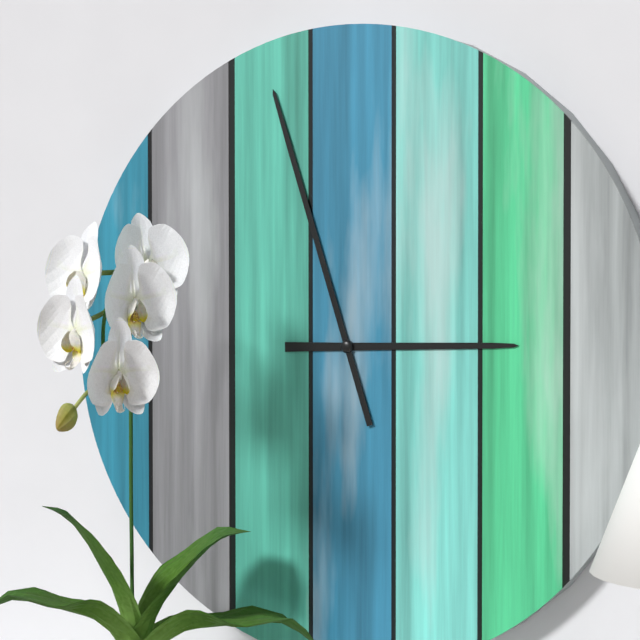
2:57
